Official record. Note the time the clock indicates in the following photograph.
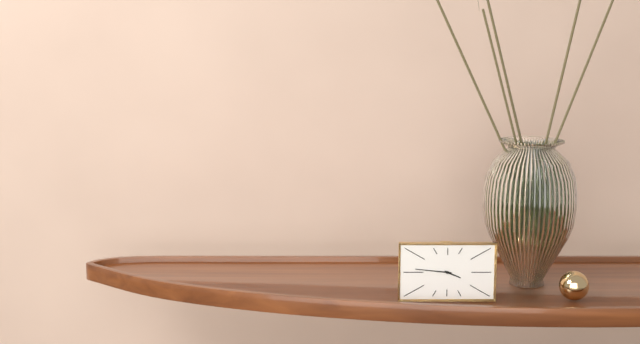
3:46
